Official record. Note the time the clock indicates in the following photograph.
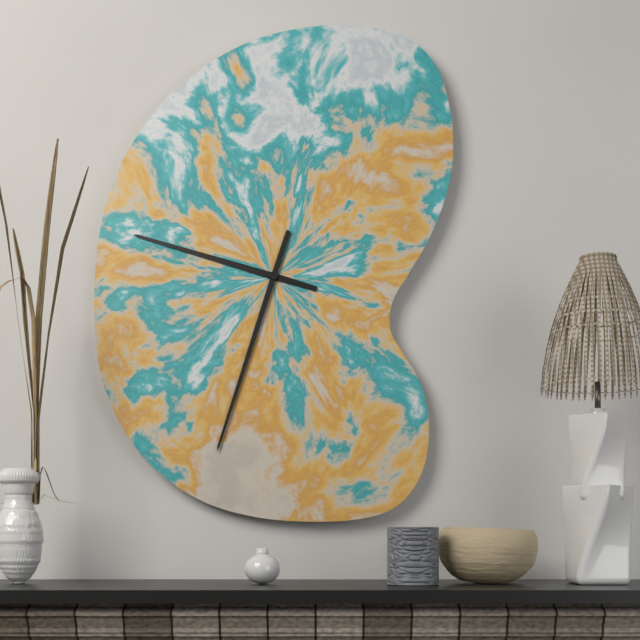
9:33
